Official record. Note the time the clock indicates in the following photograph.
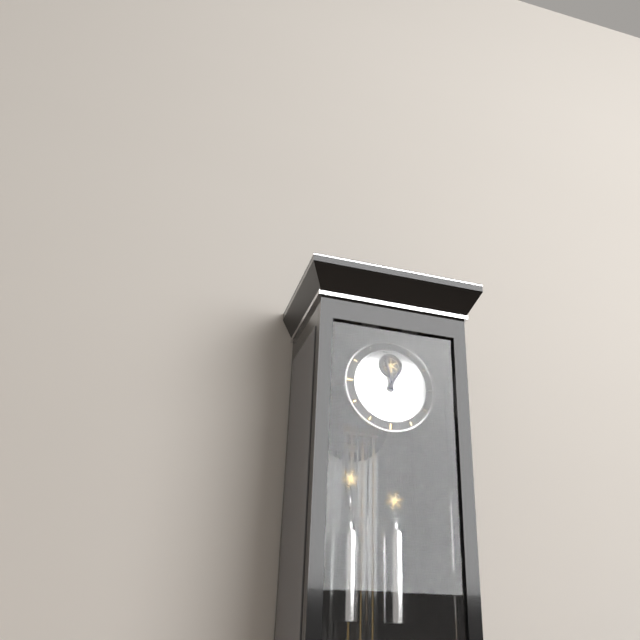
12:58
